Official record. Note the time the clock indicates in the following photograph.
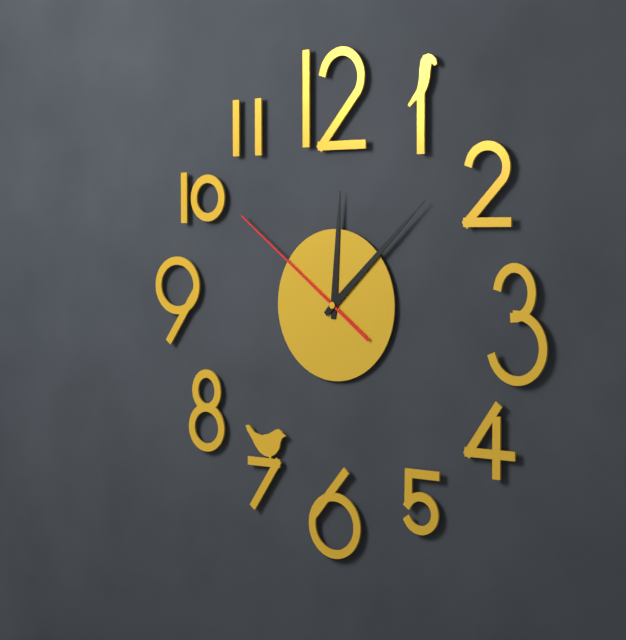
12:08:51
